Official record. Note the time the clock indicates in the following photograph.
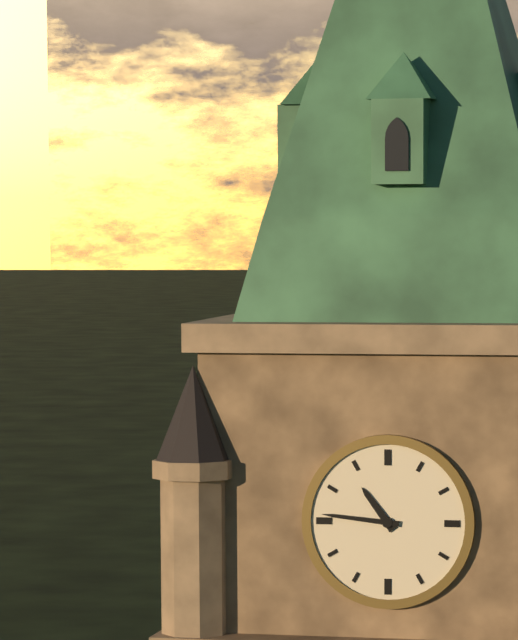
10:46
